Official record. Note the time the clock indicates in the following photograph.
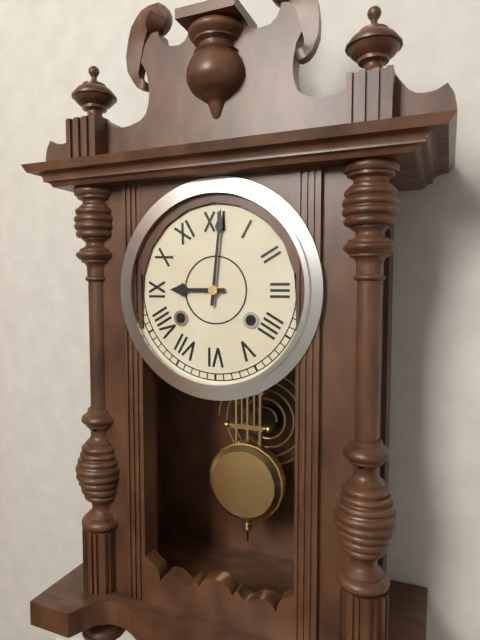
9:01
